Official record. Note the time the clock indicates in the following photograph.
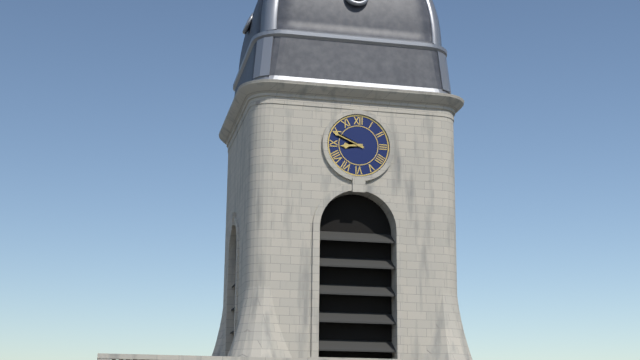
8:49
